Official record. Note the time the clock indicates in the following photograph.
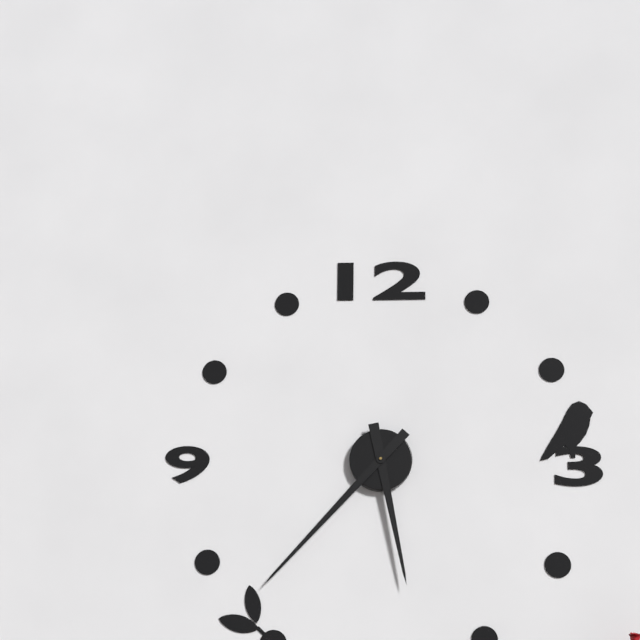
5:37
